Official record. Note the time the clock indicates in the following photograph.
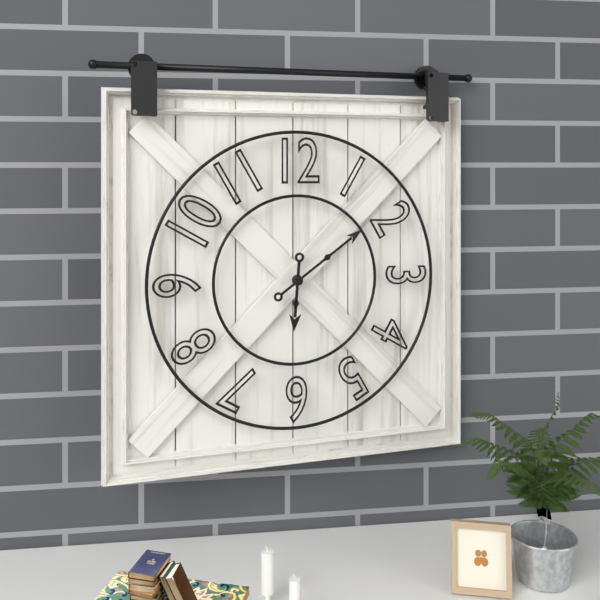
6:09
